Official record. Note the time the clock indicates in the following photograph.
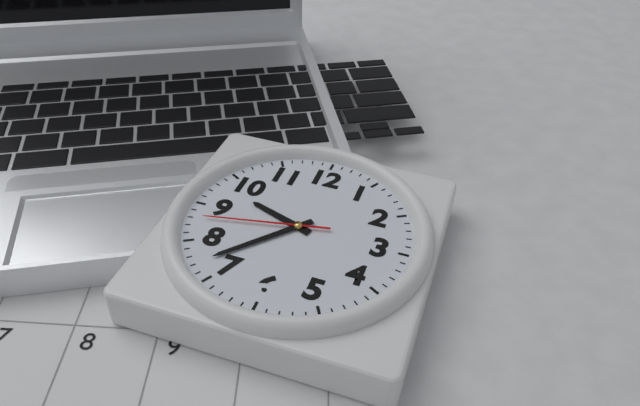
9:37:43
